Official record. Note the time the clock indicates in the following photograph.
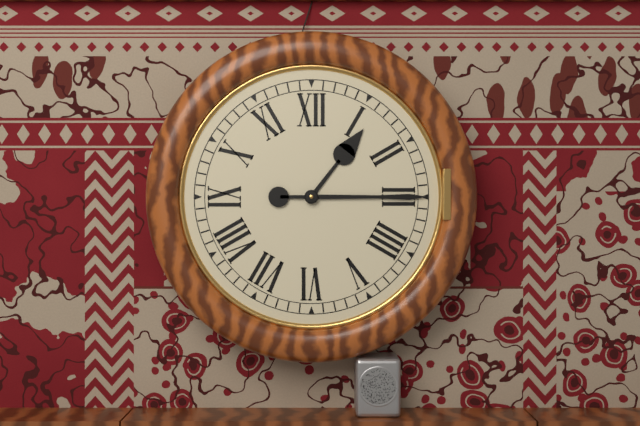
1:15
